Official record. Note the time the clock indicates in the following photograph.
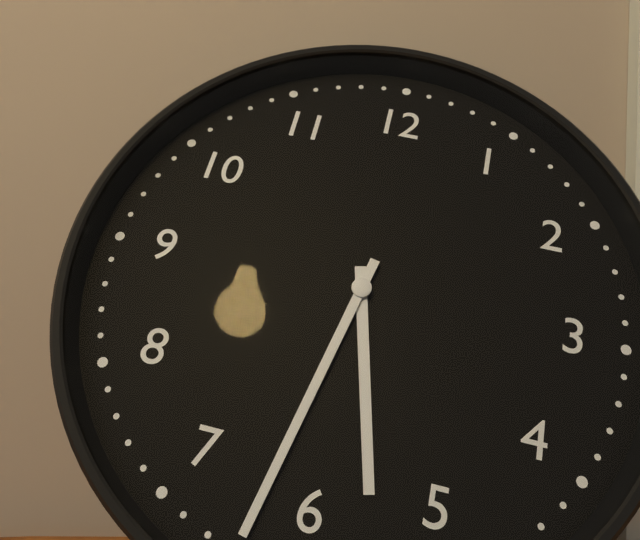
5:32
